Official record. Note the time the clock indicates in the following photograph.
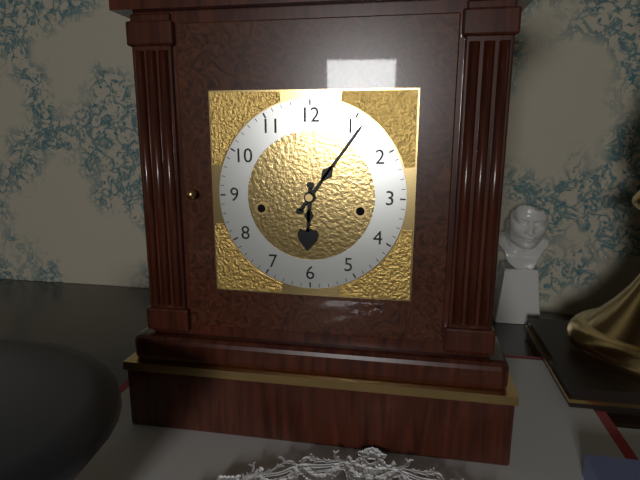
6:06
